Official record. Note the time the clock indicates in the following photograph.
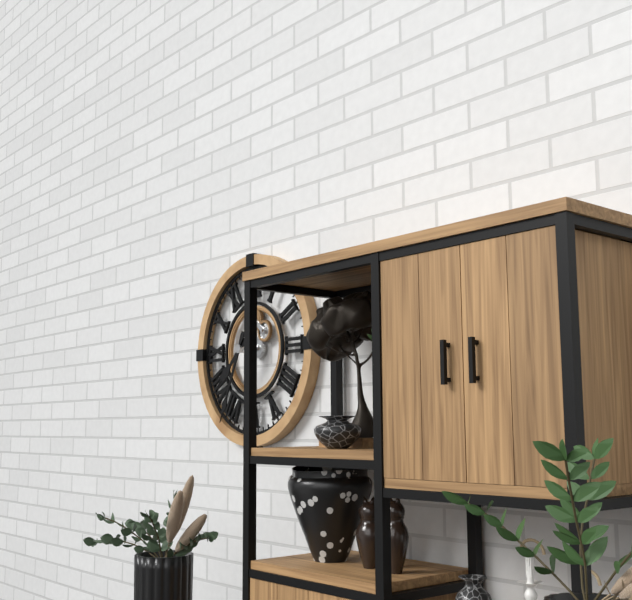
7:34
